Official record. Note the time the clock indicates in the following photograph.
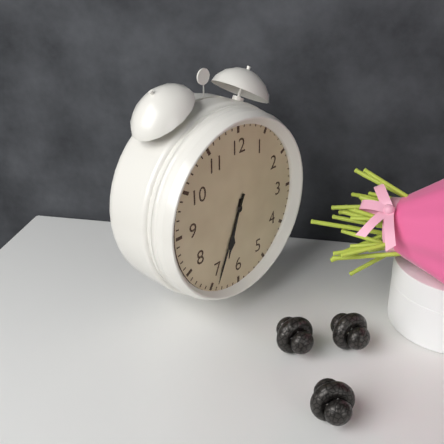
6:34
